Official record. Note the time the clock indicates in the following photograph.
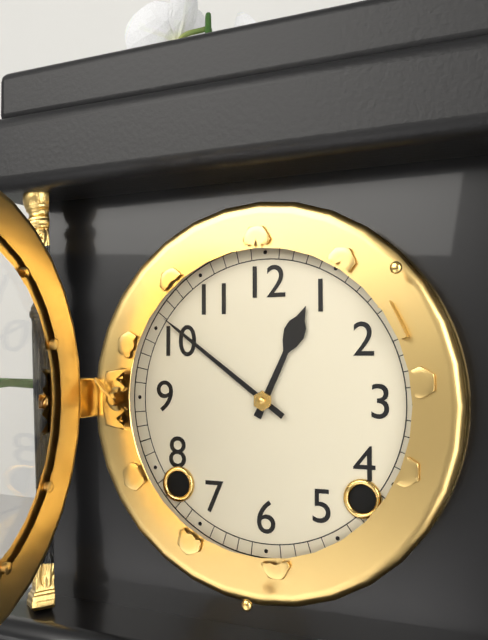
12:51
